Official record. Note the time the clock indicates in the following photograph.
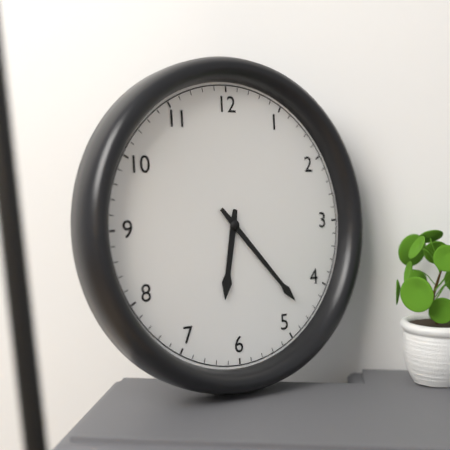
6:23
